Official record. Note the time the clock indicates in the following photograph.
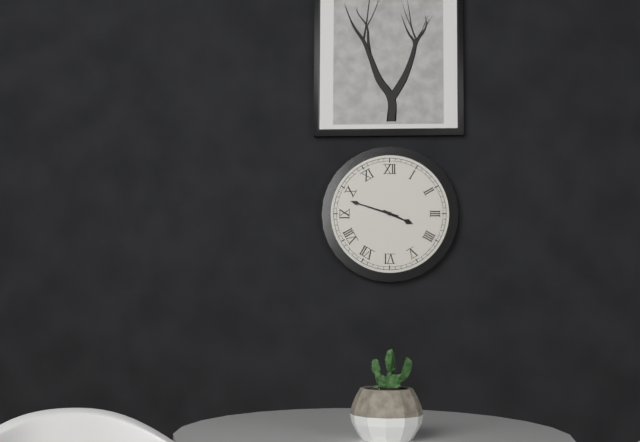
3:48
